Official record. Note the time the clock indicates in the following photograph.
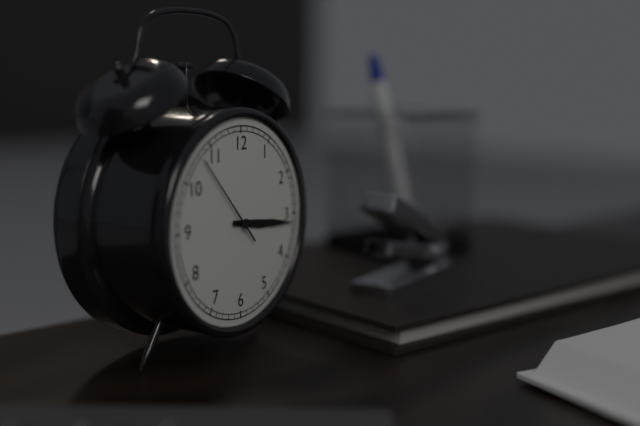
3:16:53
